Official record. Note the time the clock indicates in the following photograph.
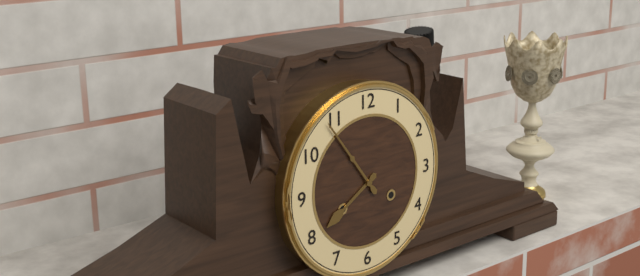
7:54
